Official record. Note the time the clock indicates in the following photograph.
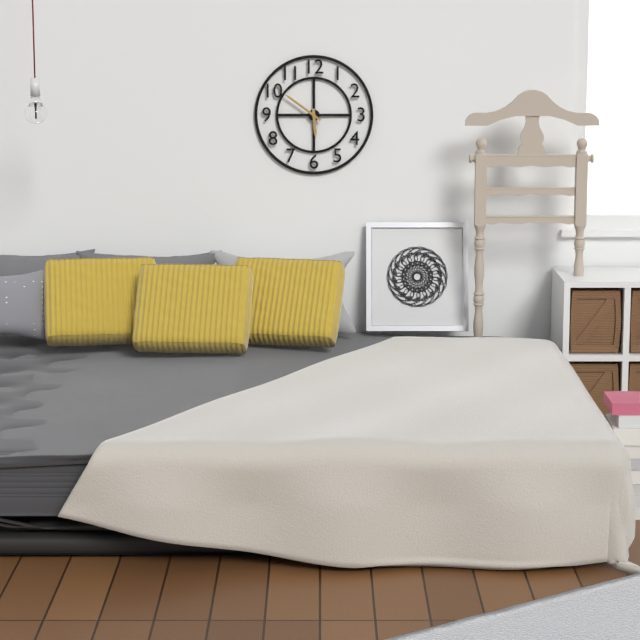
5:51
